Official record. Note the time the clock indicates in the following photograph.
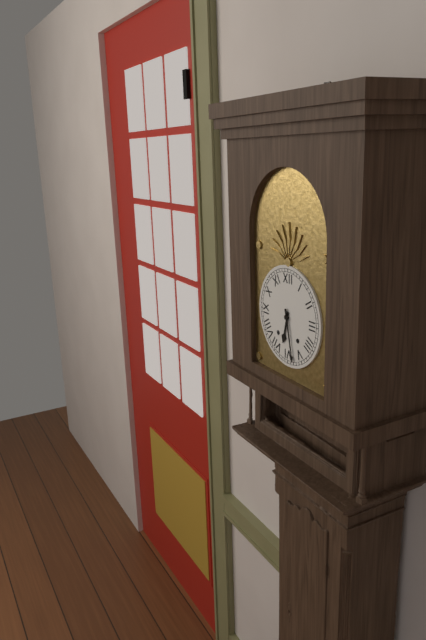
6:28
